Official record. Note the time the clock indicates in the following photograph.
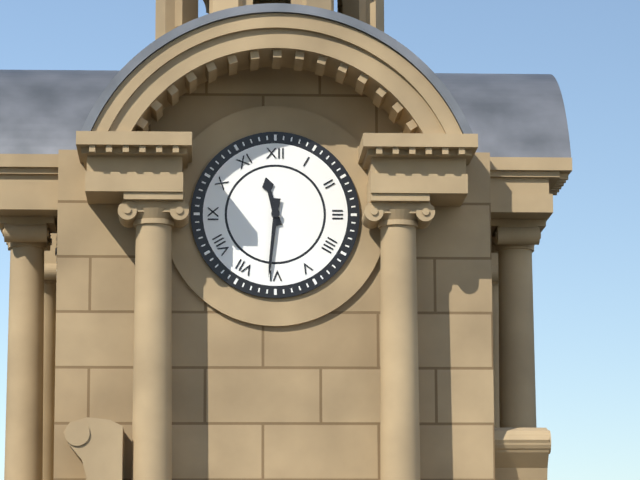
11:31
